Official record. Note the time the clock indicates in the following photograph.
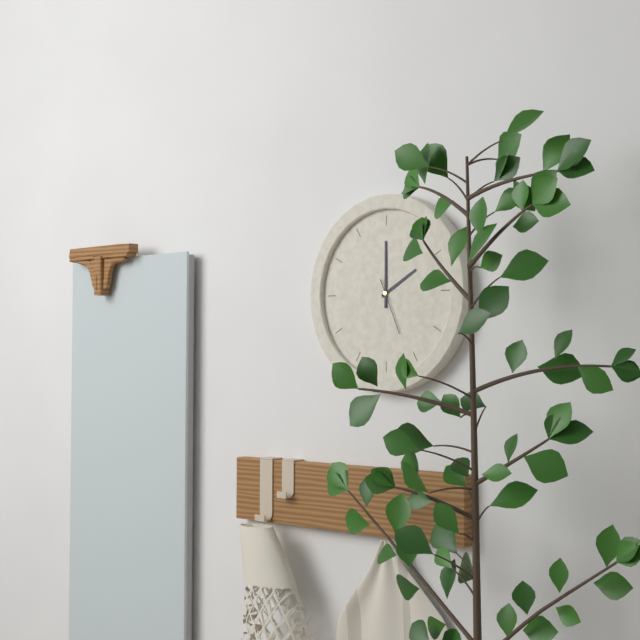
2:00:26
